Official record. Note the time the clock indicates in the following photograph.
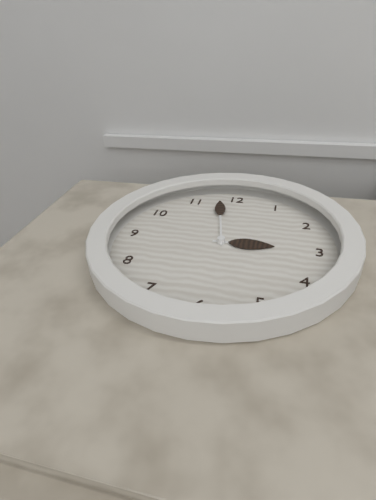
2:58
